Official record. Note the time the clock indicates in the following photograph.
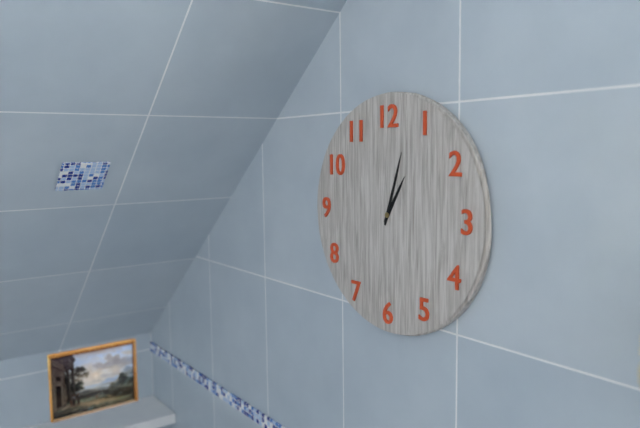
1:03
